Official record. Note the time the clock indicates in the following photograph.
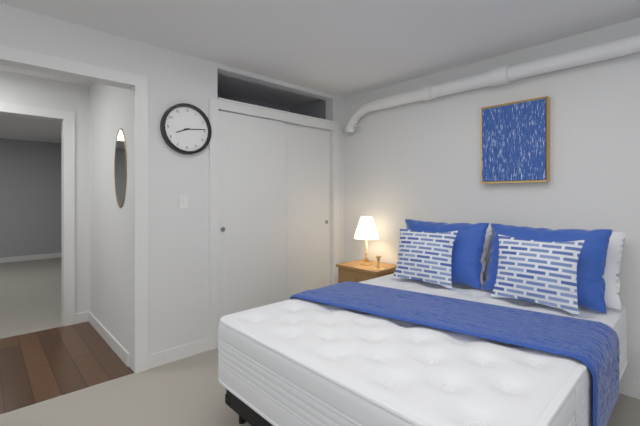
8:14
